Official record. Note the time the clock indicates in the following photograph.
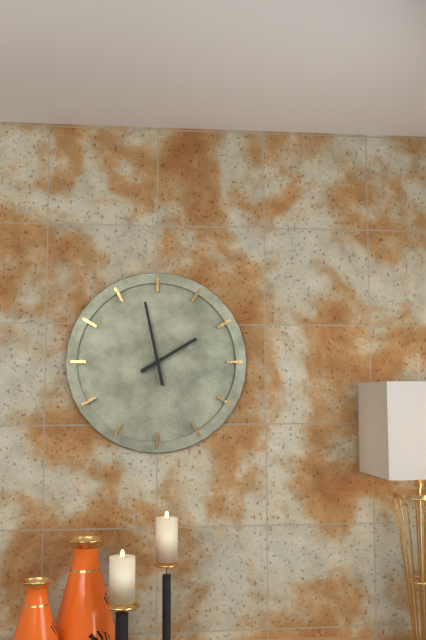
1:58
